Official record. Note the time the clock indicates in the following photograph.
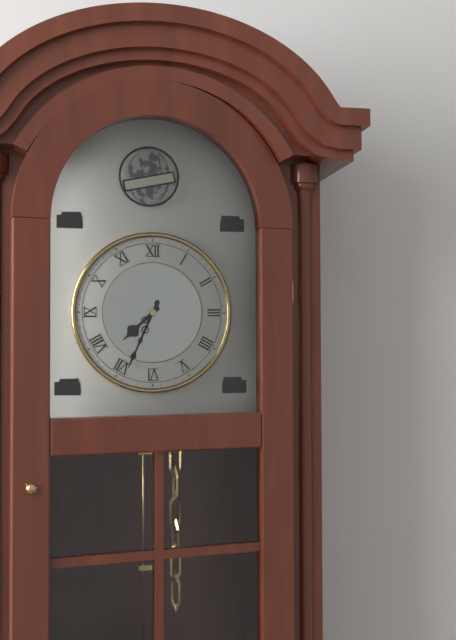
7:34
